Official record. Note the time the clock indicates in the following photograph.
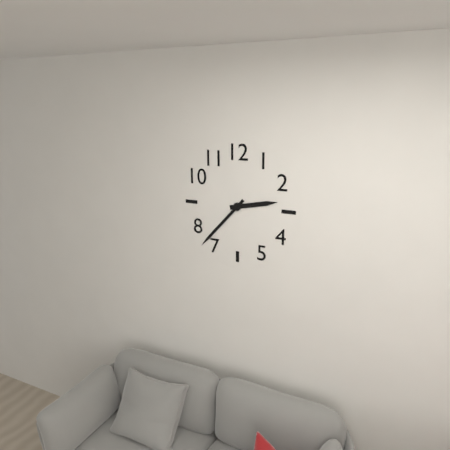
2:37
